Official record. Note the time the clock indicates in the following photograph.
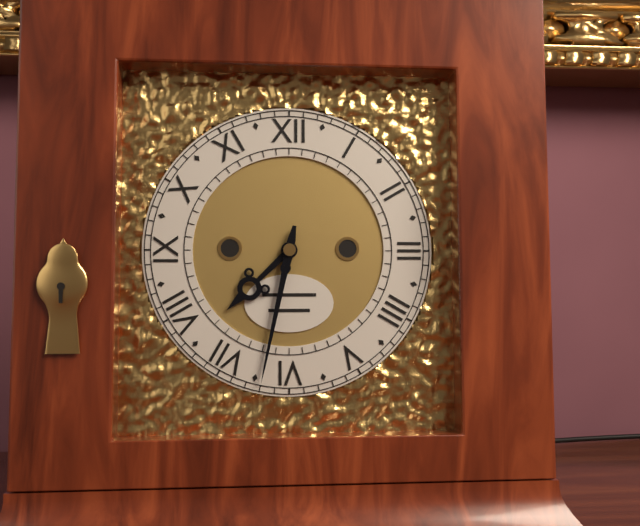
7:32
